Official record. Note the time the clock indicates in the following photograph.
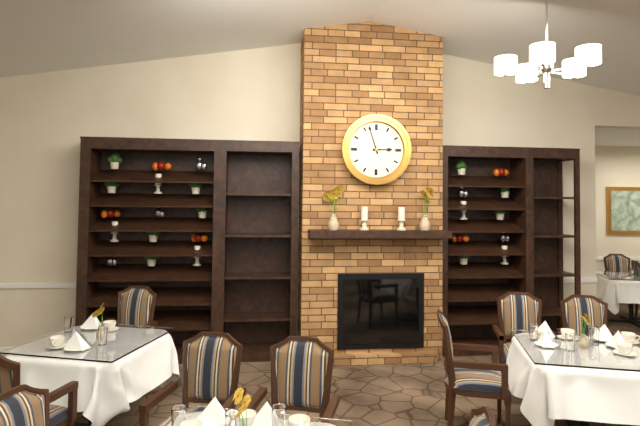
2:57
